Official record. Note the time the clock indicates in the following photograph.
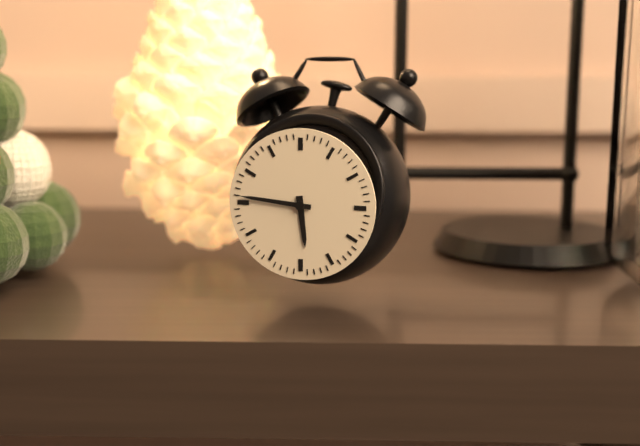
5:46
